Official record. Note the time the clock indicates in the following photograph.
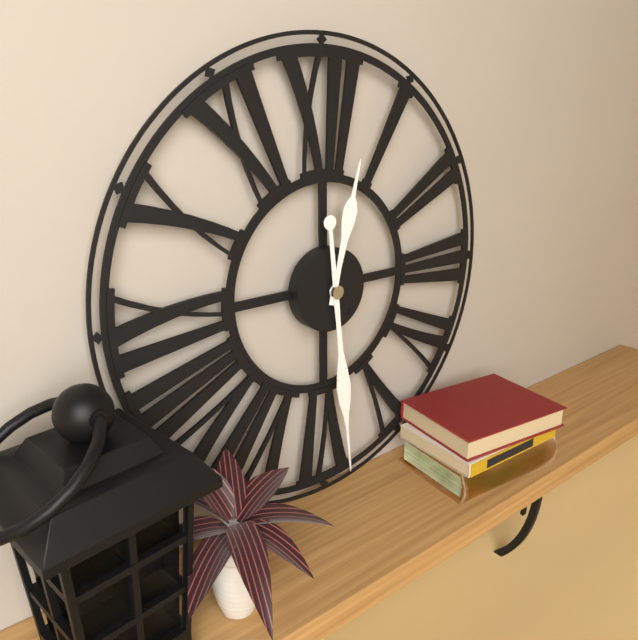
12:29
